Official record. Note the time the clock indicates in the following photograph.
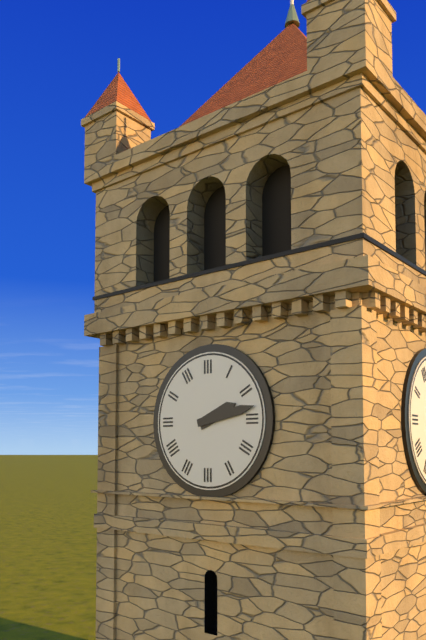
2:13
